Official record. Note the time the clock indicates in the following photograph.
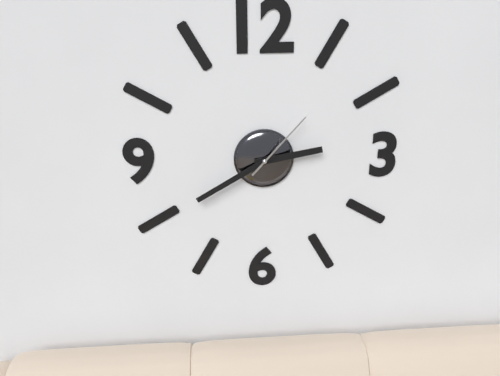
2:40:07
